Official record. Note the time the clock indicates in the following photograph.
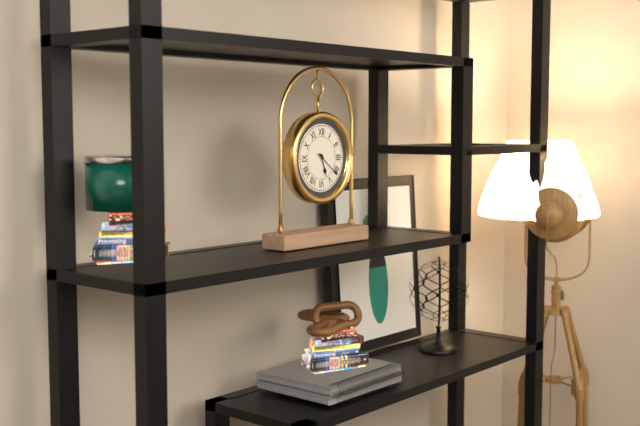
5:21
